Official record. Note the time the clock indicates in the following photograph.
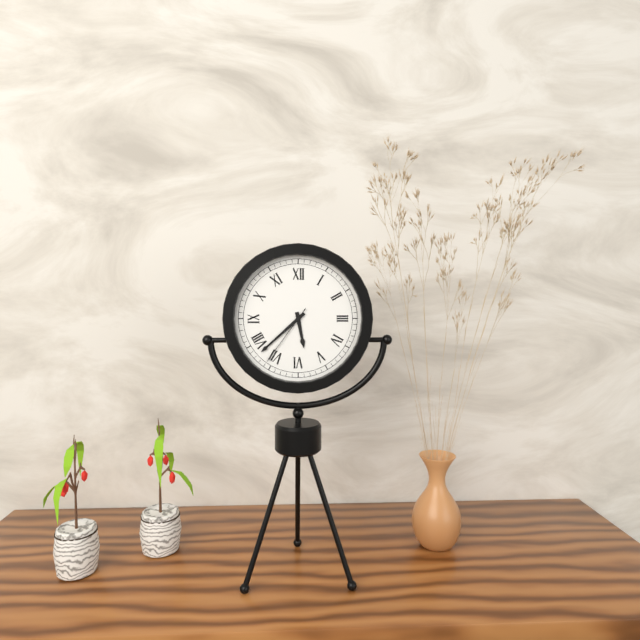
5:38:36
